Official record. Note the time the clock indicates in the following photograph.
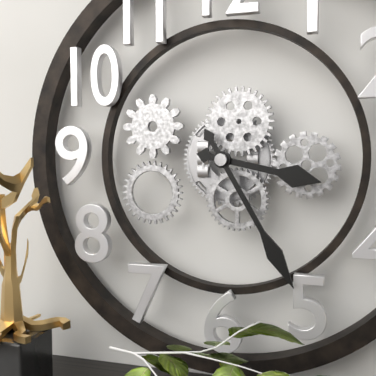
3:25
